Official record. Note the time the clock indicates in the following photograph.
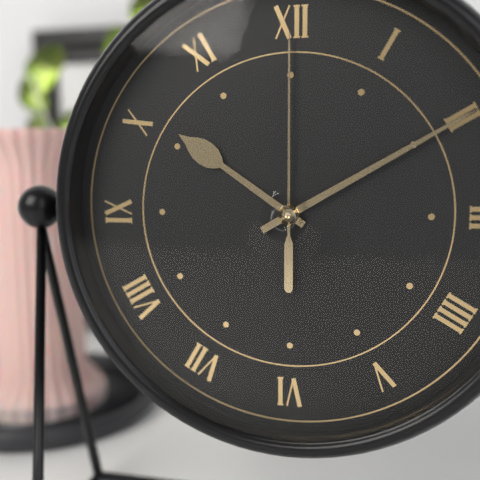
10:10:00
